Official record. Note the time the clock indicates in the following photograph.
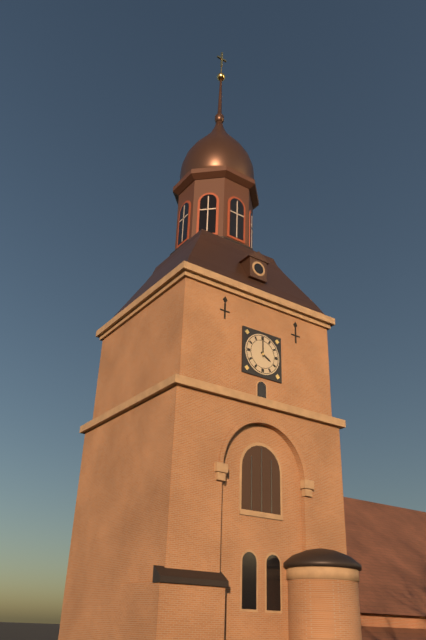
4:00
